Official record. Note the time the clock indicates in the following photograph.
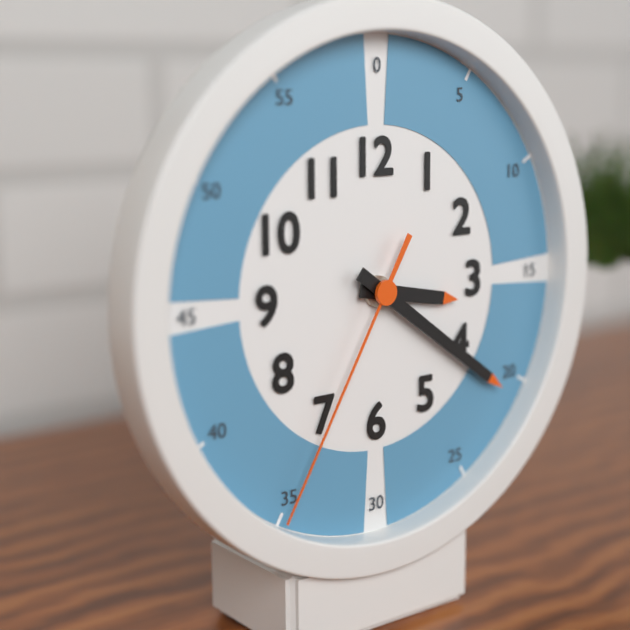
3:21:35
